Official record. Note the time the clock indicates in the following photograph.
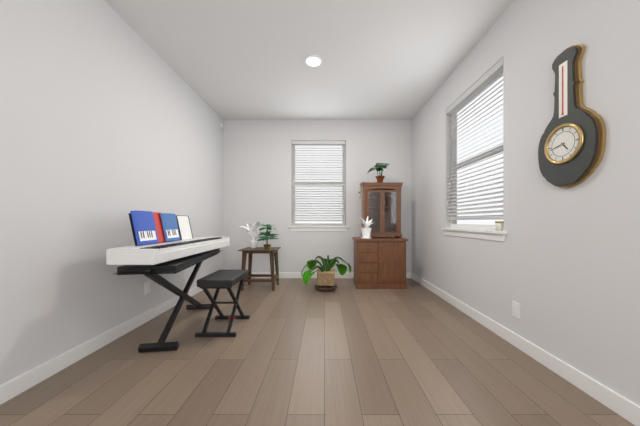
4:43
